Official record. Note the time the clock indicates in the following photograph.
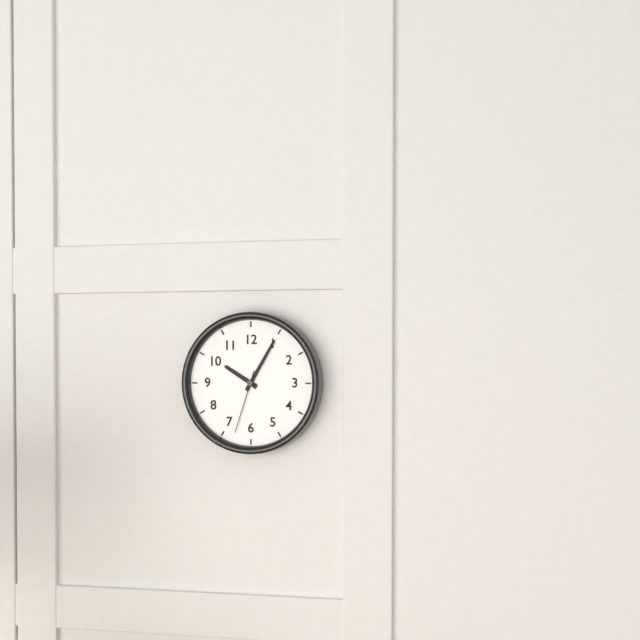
10:05:33
